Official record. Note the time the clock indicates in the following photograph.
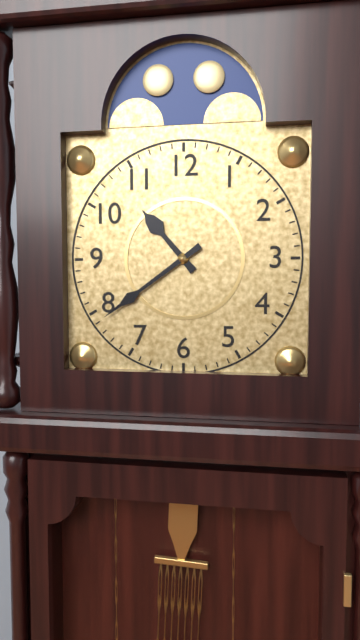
10:39
